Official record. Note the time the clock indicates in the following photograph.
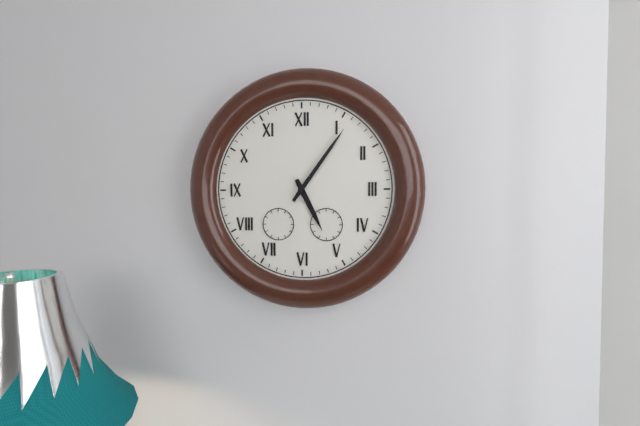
5:06
